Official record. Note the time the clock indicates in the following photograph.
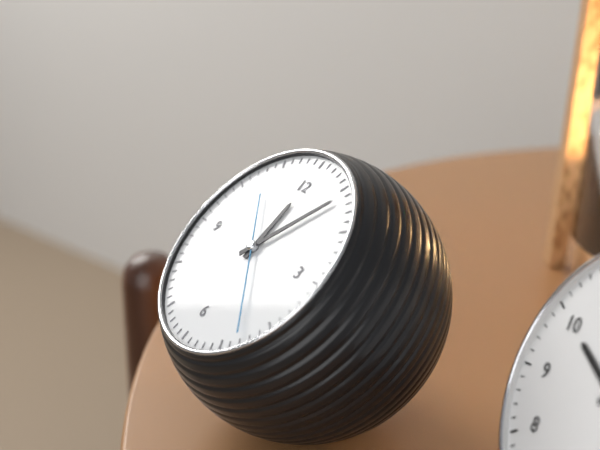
12:06:23
